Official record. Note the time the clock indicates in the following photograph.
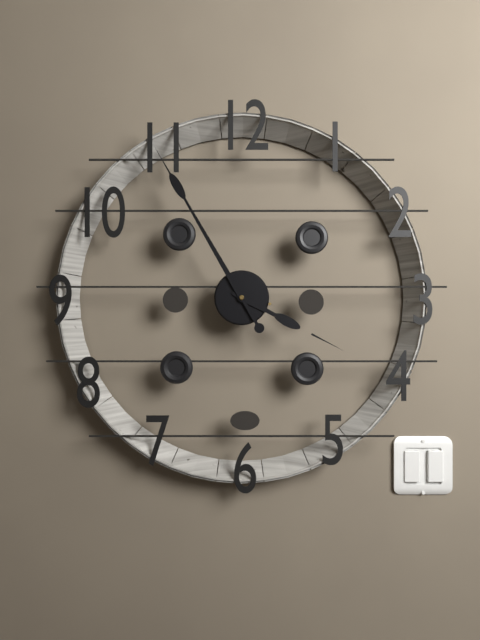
3:55
